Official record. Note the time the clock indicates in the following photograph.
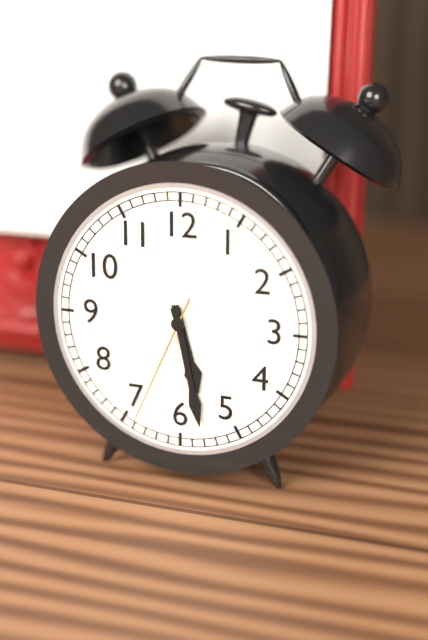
5:28:34
